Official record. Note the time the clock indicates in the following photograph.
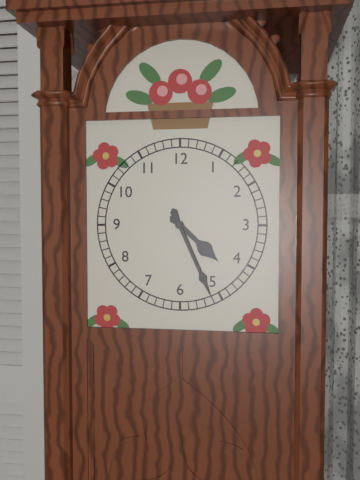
4:26
